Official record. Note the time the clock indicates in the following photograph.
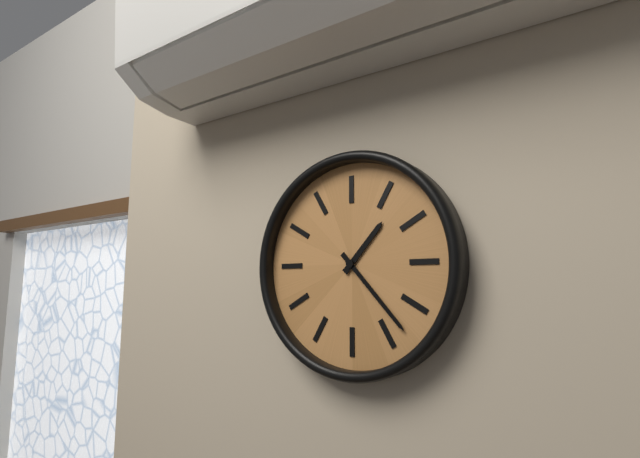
1:23
